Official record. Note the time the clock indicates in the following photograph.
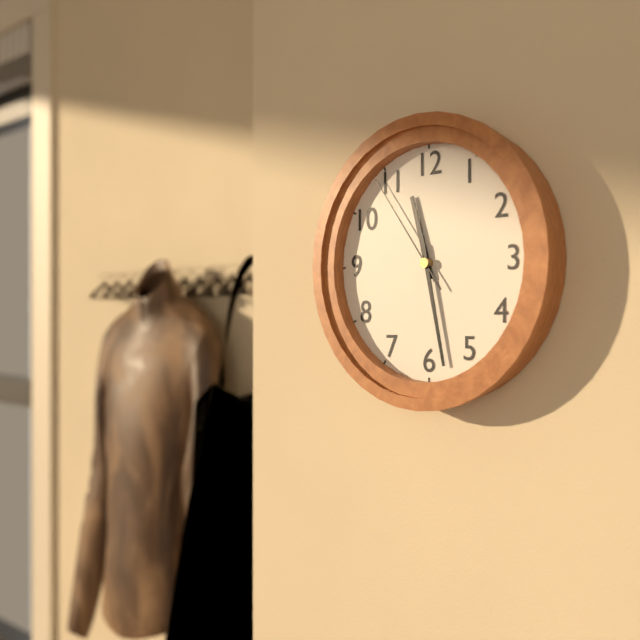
11:28:54
